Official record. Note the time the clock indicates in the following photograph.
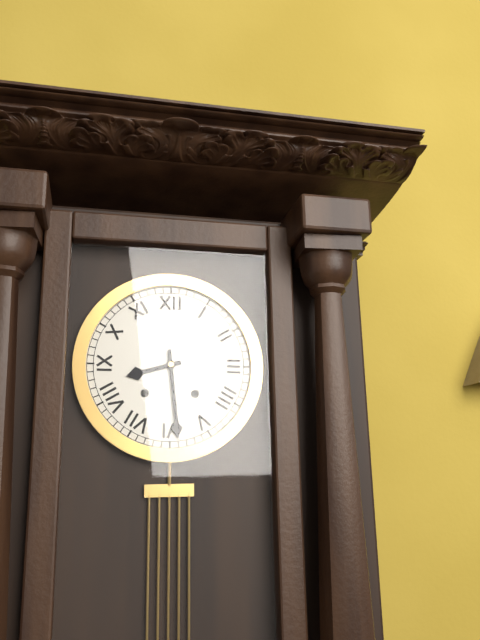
8:29
